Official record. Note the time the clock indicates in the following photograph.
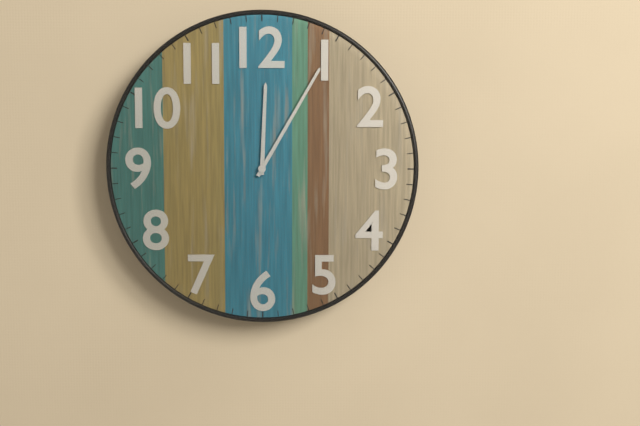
12:05
